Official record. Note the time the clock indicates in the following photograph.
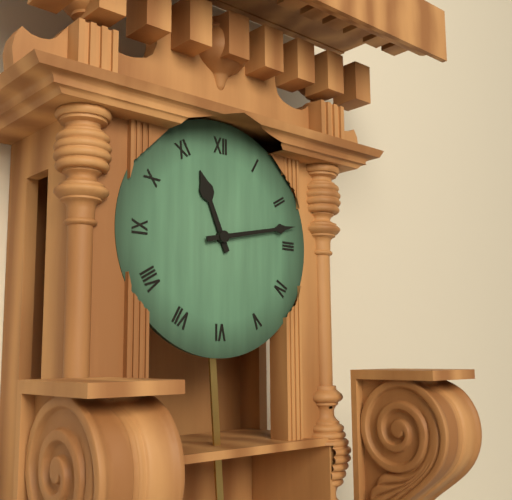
11:13
